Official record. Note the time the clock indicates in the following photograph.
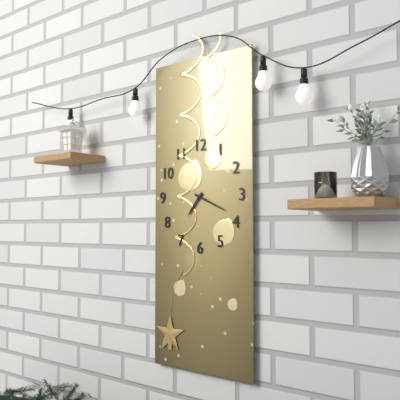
7:19
